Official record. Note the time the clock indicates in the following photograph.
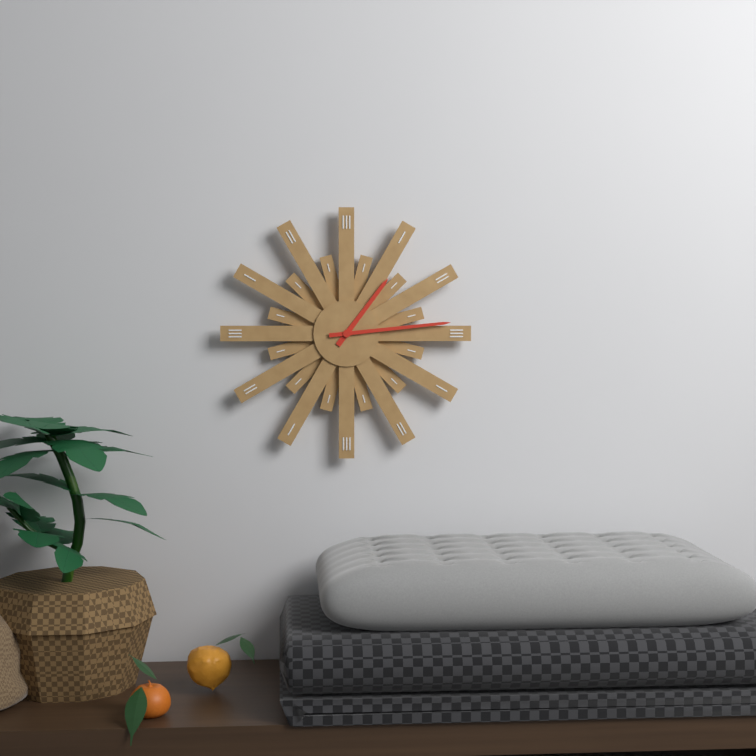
1:14
